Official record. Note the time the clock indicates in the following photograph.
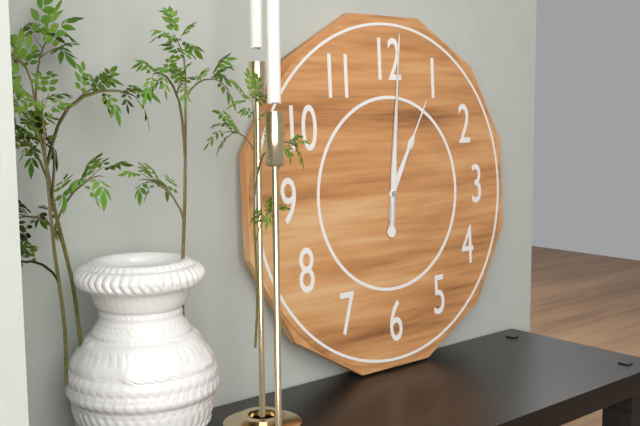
1:01
